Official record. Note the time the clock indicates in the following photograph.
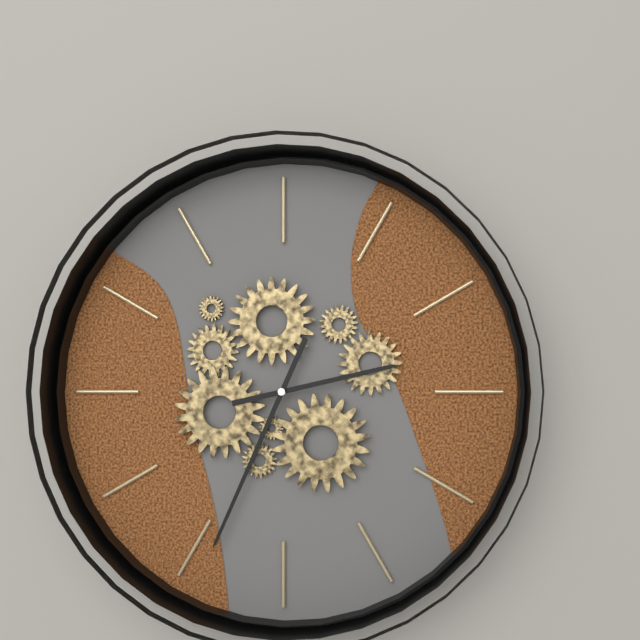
2:34
